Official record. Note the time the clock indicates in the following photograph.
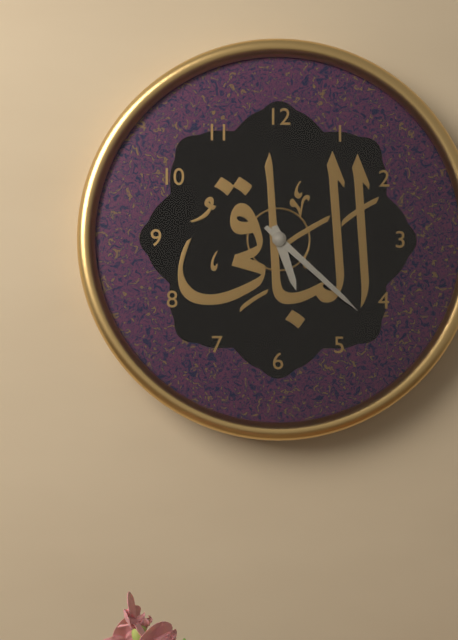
5:22
